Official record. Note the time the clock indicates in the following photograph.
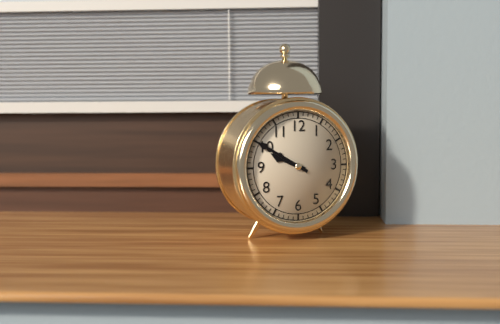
9:50
